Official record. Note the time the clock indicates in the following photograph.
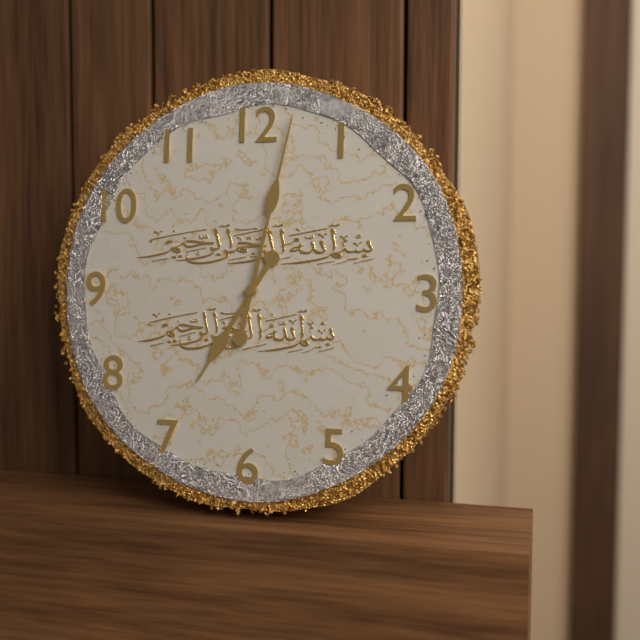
7:02
